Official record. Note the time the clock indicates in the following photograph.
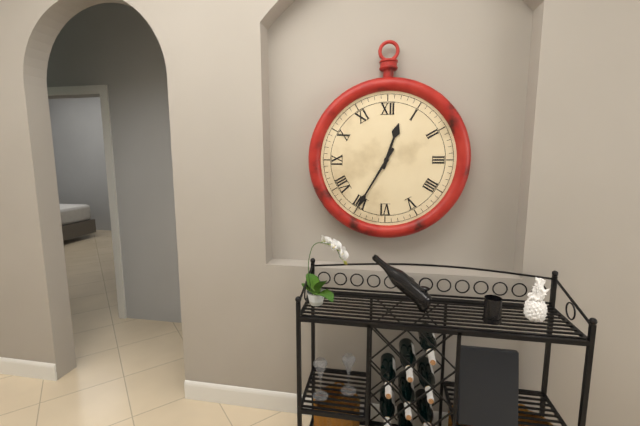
12:35
